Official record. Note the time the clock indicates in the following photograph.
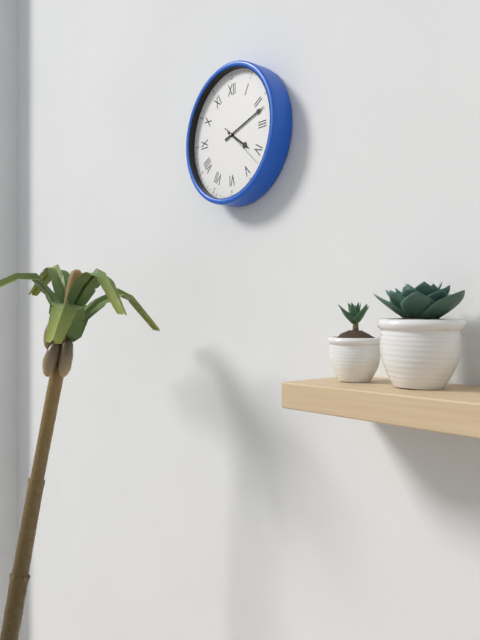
4:12
